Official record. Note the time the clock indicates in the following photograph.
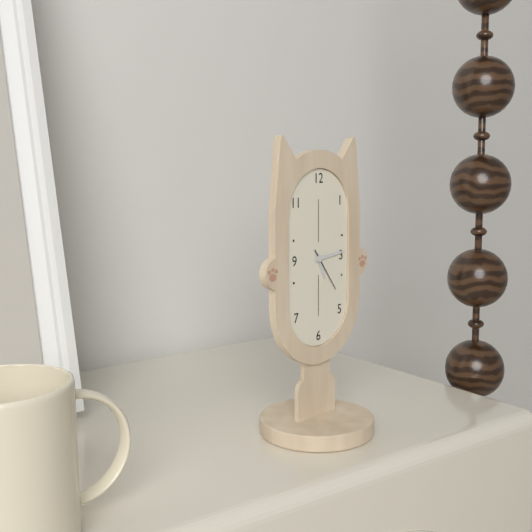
5:14
